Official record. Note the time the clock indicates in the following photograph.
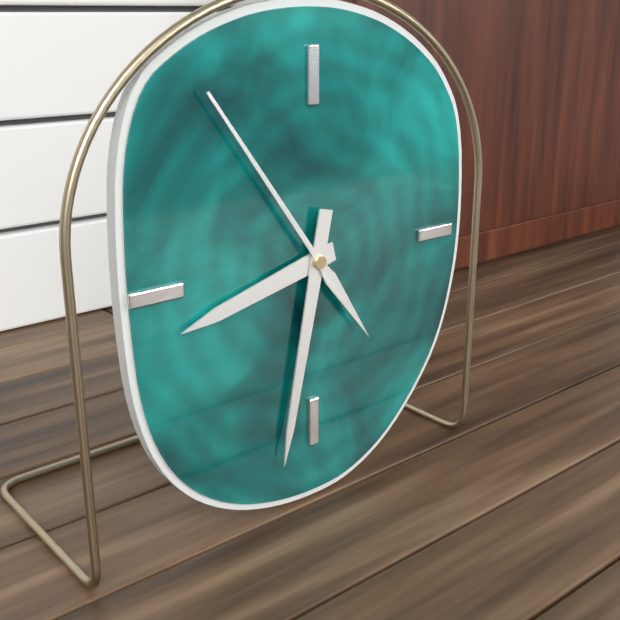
8:32:54
